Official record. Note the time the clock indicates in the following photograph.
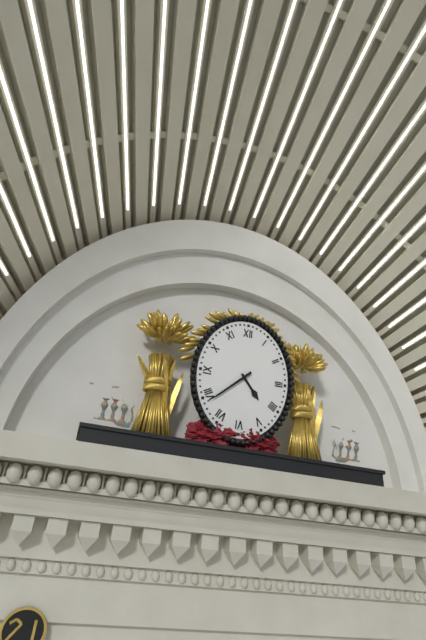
4:38
